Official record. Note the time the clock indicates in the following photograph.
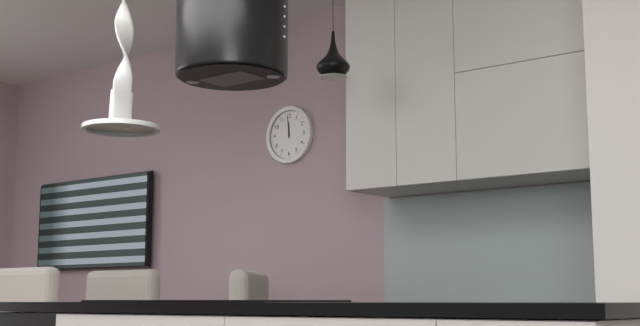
11:59
